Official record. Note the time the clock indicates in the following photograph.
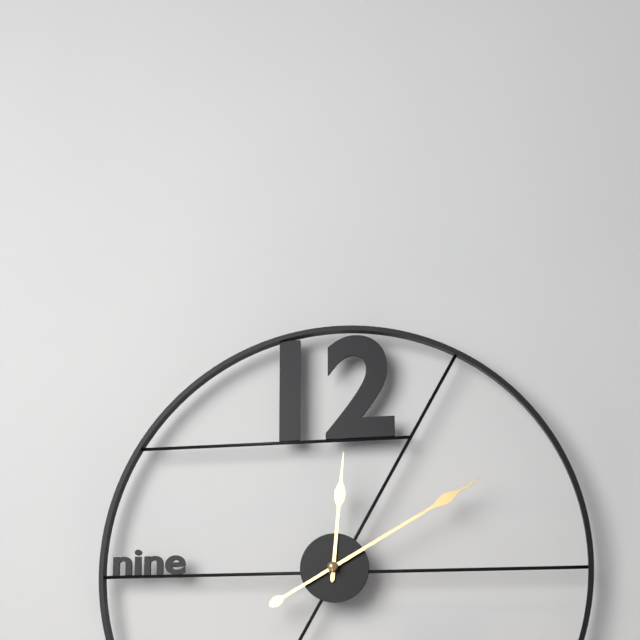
12:10
